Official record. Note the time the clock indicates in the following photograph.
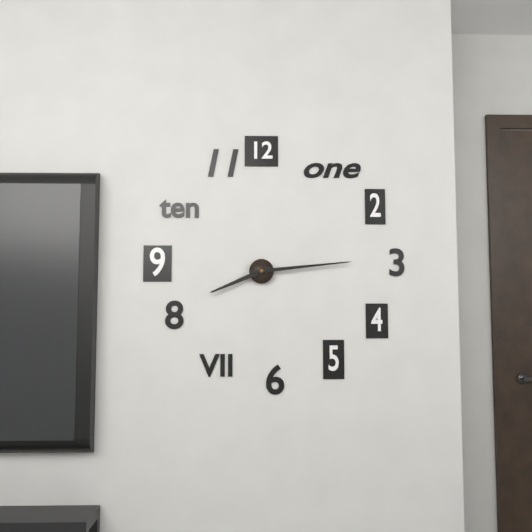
8:14
